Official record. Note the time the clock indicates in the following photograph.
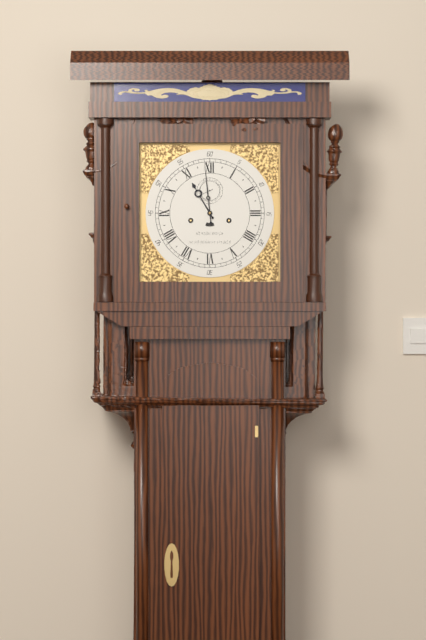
10:59
